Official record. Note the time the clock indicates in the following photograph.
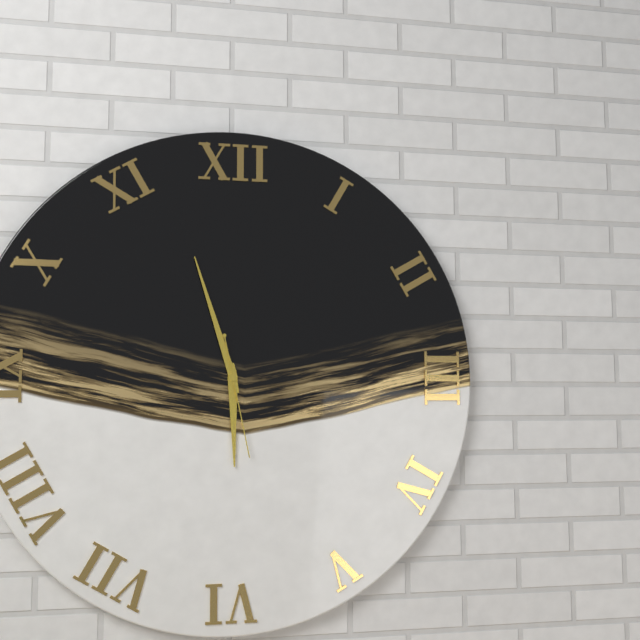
5:57:28
